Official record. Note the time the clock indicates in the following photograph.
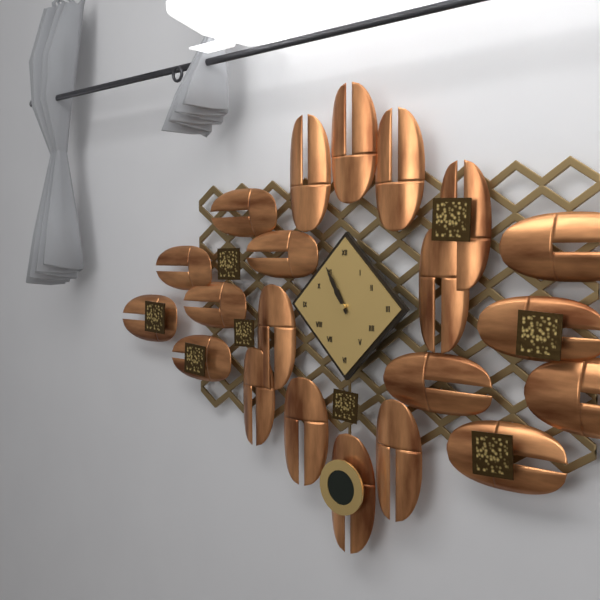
10:55
